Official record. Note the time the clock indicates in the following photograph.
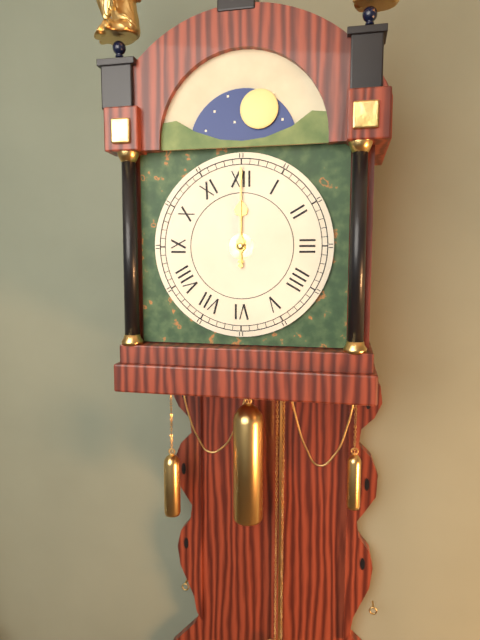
12:00
